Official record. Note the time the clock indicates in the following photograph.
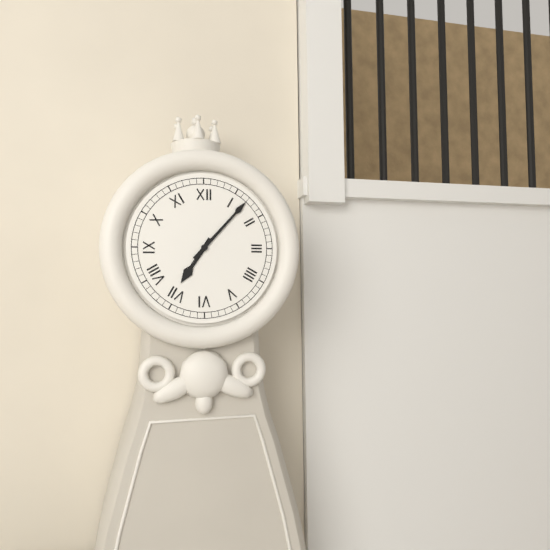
7:07
